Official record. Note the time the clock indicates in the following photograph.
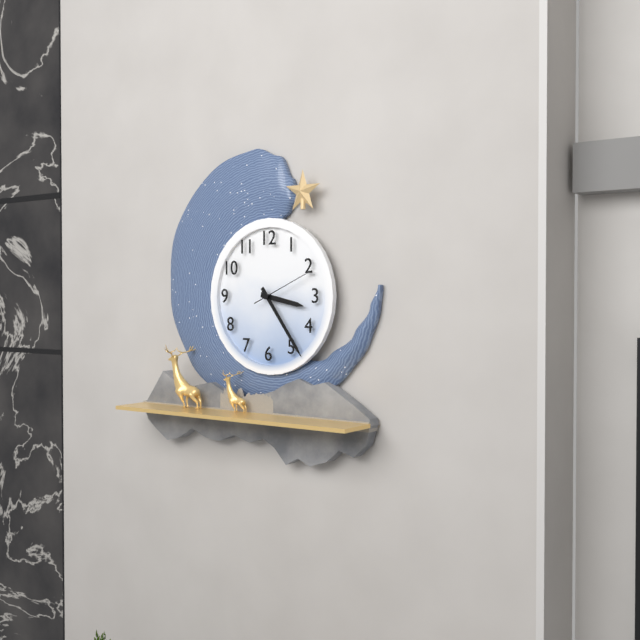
3:24:11
